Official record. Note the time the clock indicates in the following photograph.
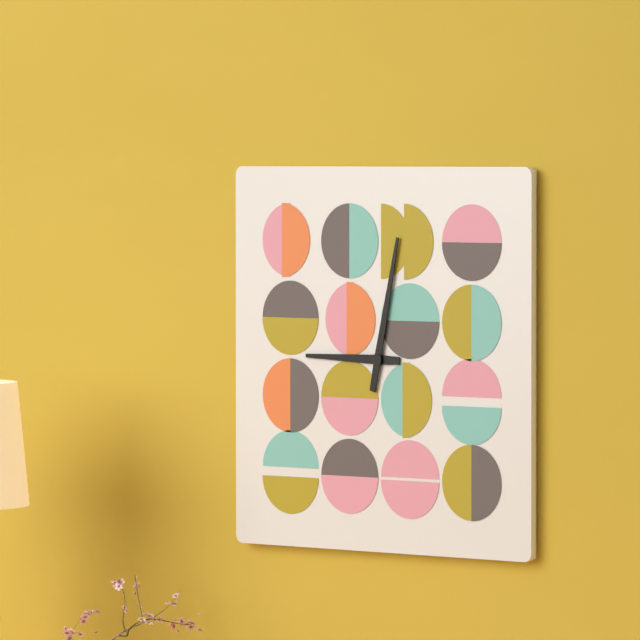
9:02
